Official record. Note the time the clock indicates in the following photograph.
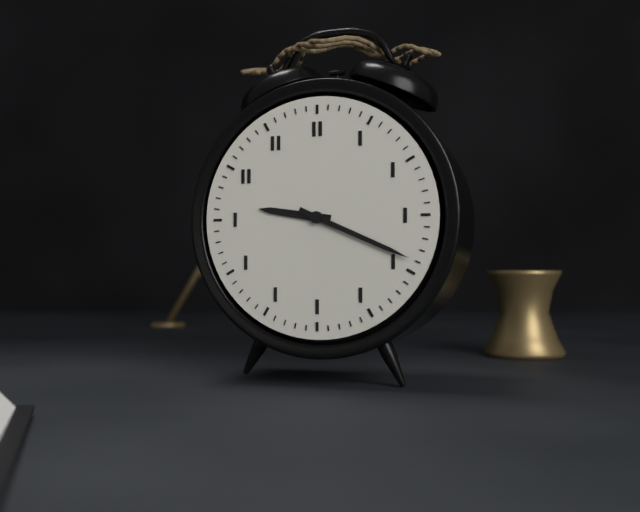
9:19
